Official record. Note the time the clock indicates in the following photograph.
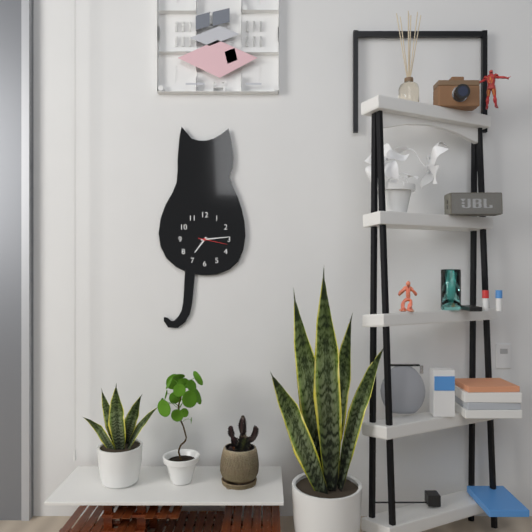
7:14
